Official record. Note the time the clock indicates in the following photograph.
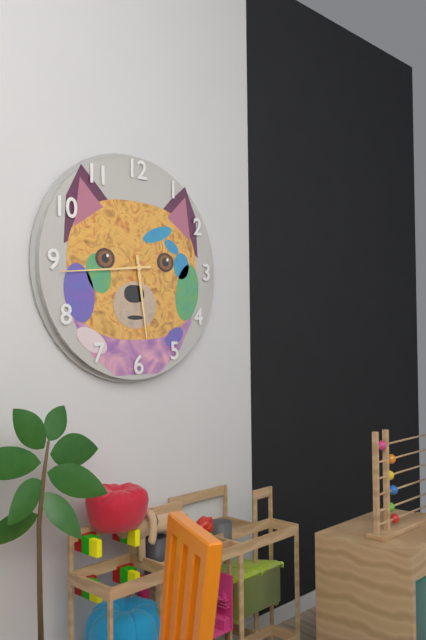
5:44
